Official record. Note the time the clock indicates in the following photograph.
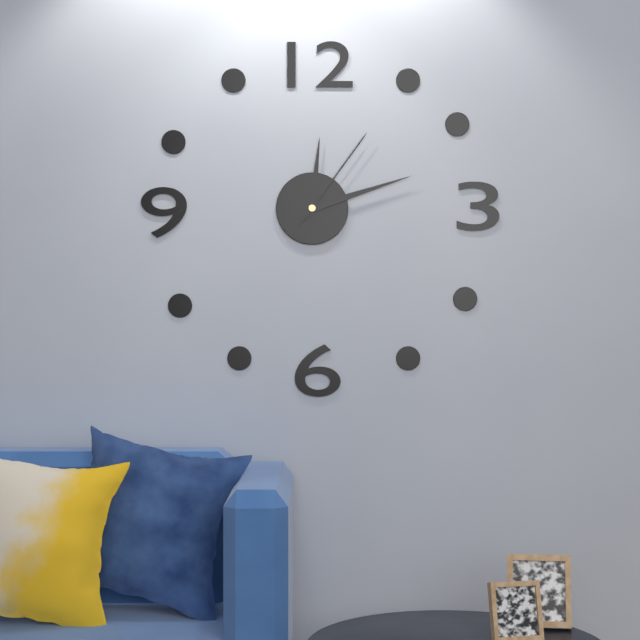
12:12:06
